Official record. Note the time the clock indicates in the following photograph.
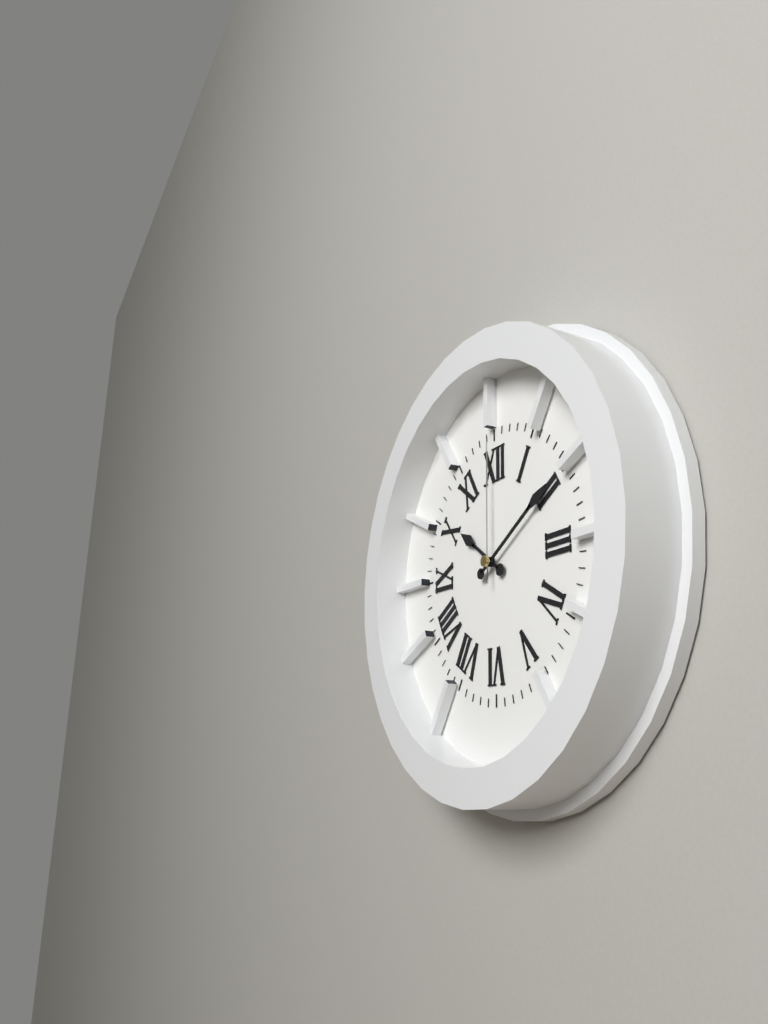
10:10:00
